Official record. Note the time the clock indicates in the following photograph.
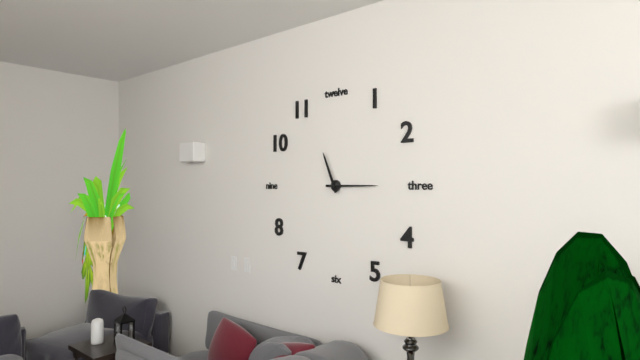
11:15
